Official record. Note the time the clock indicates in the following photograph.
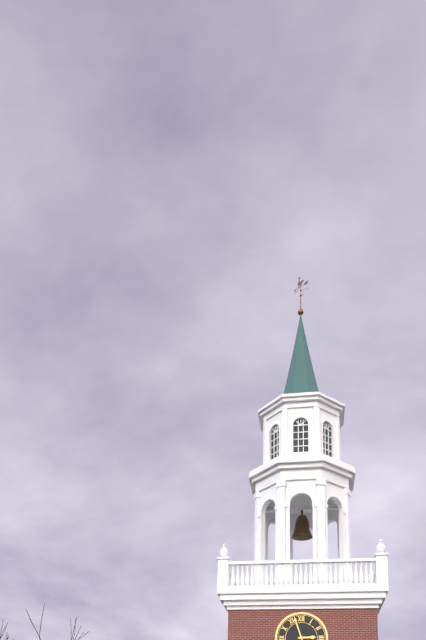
2:57
